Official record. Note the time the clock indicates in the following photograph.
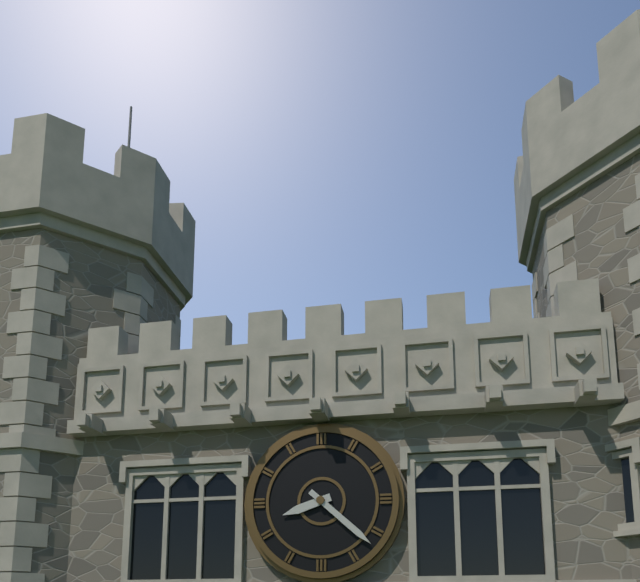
8:22
